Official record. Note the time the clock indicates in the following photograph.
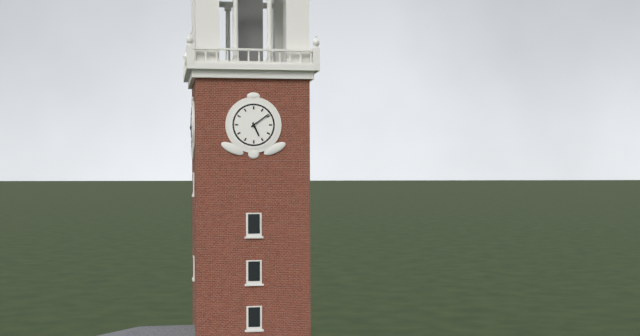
5:09
